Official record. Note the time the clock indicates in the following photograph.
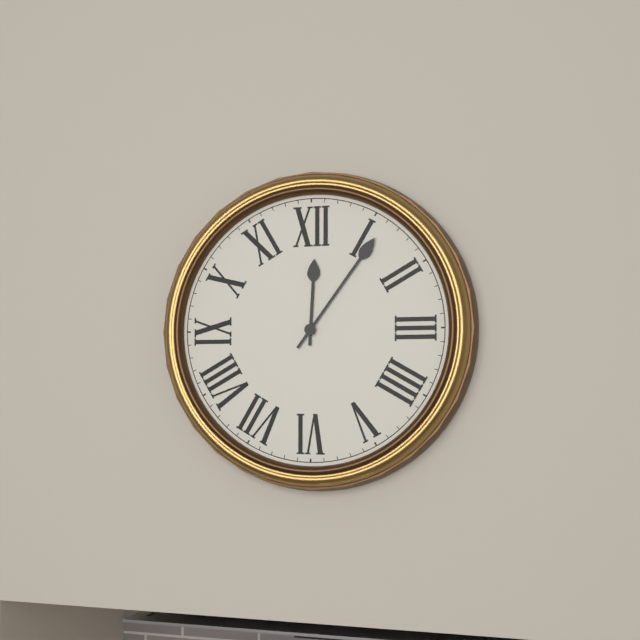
12:06
